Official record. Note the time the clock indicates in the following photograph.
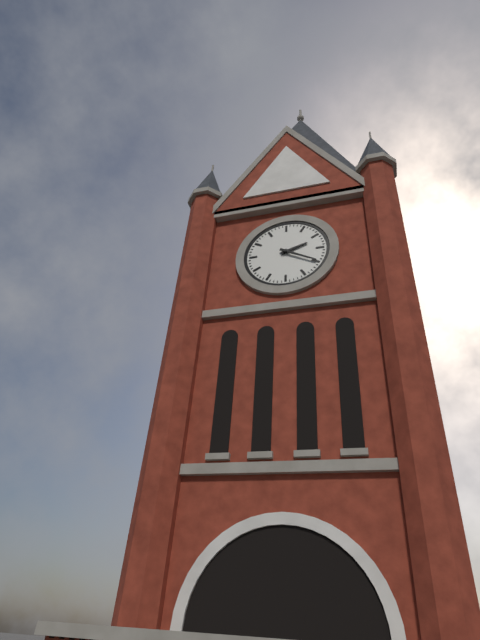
2:20
